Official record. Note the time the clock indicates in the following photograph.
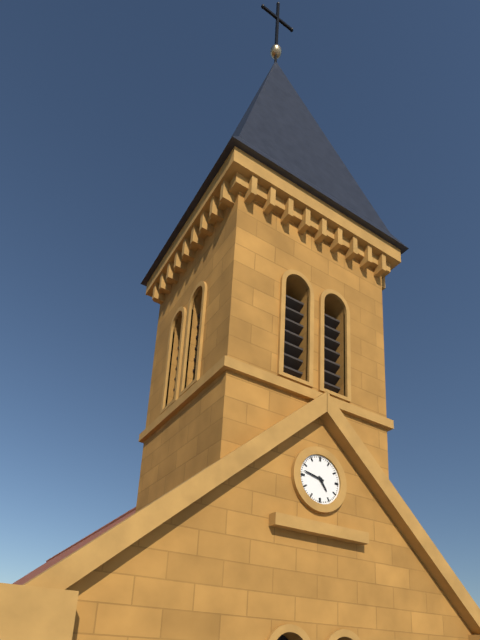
4:47
